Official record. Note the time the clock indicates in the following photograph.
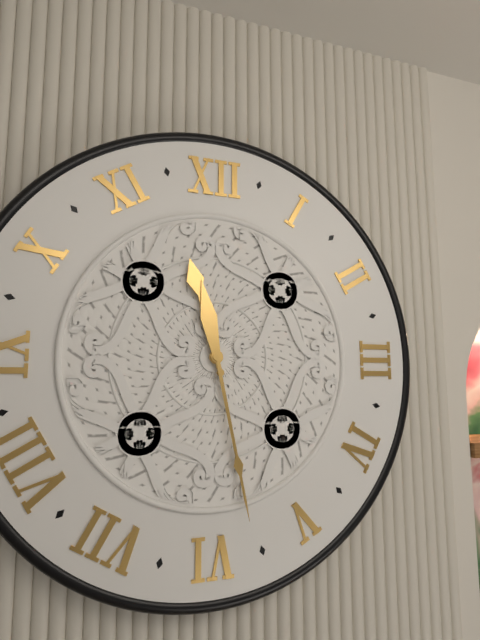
11:28
